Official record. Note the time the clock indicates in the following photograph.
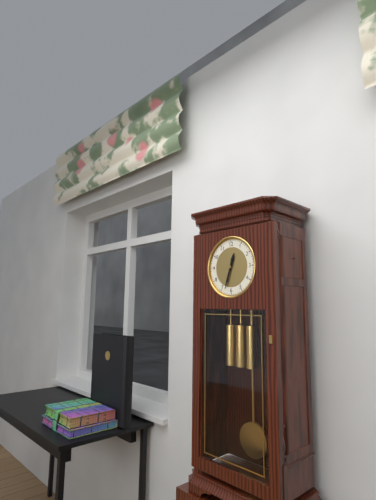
12:33
